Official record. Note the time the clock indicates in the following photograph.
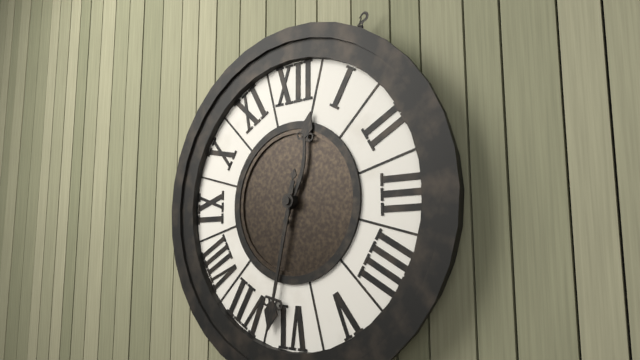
12:32
